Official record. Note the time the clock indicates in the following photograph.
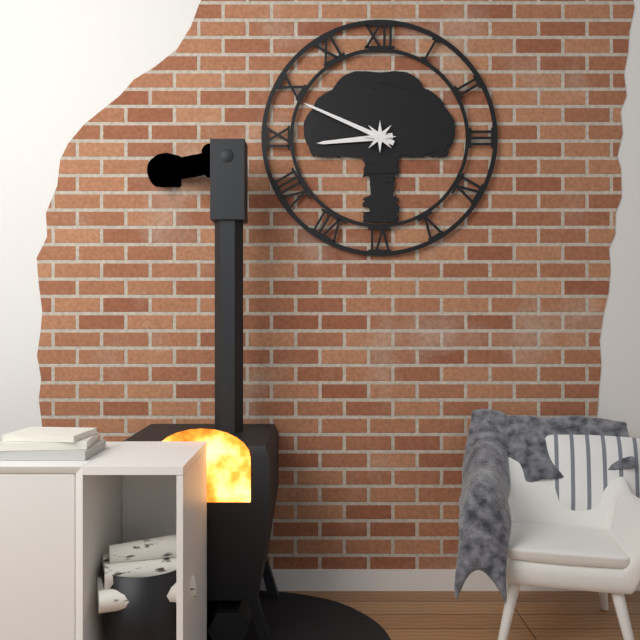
8:49
